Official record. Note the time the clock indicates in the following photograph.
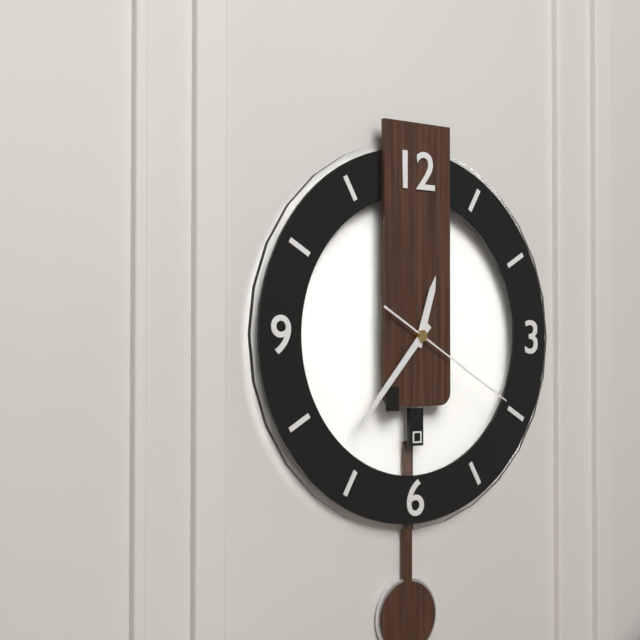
12:37:20
